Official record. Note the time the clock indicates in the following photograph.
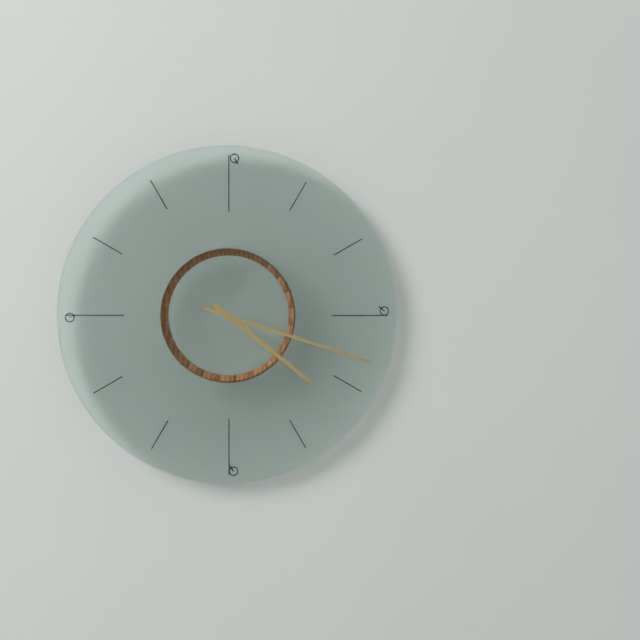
4:18
